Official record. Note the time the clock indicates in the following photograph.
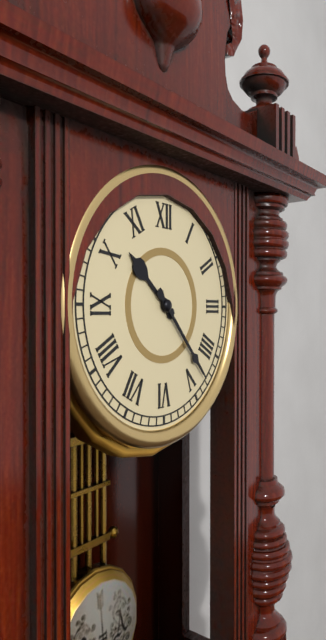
10:23
